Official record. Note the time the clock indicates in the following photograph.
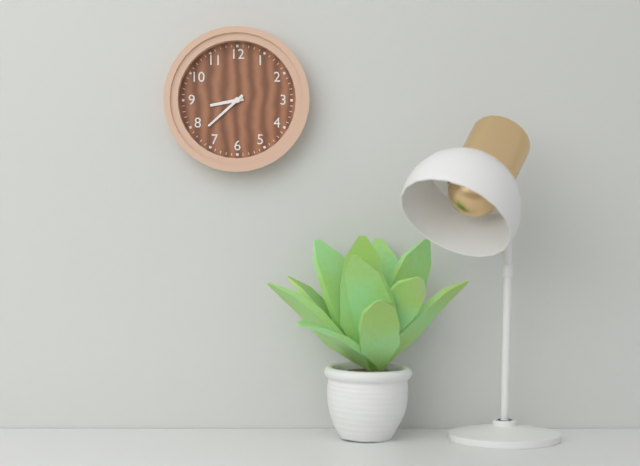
8:38
